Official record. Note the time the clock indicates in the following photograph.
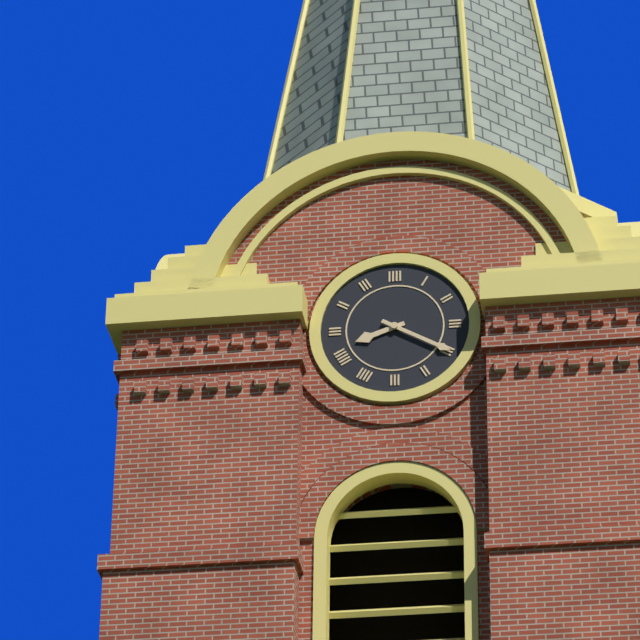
8:20
